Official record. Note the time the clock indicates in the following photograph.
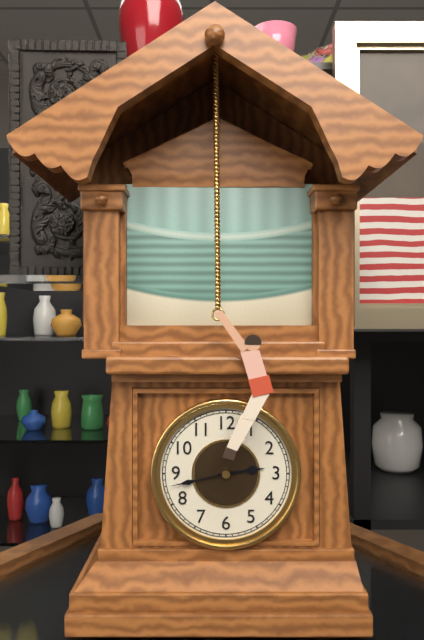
2:43
